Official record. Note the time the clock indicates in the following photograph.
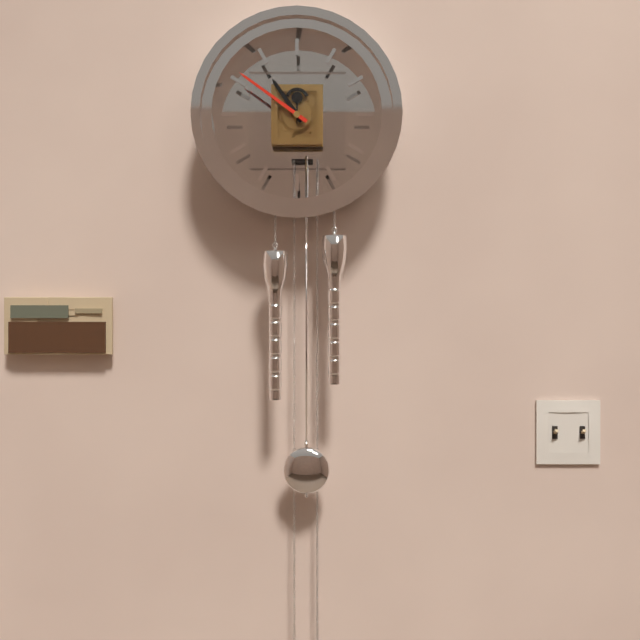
10:51
